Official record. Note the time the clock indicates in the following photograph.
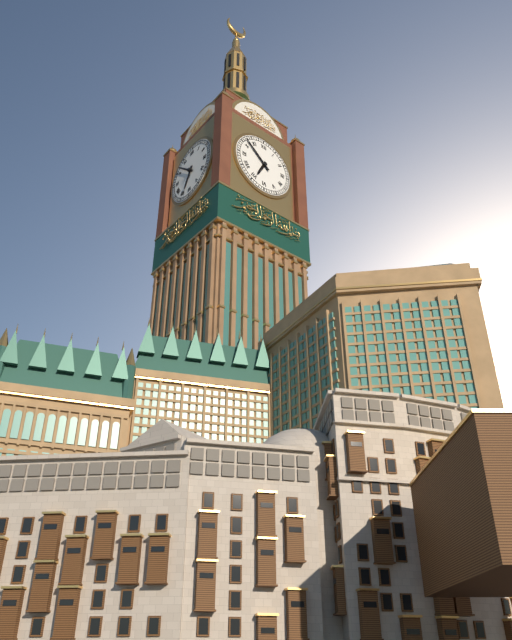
6:52
